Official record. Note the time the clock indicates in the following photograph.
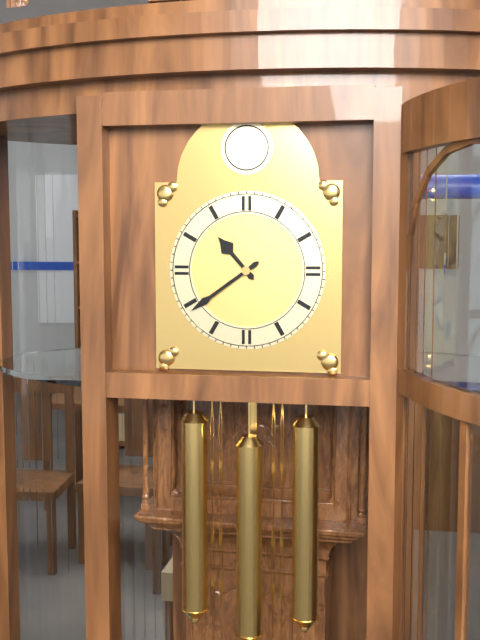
10:39
